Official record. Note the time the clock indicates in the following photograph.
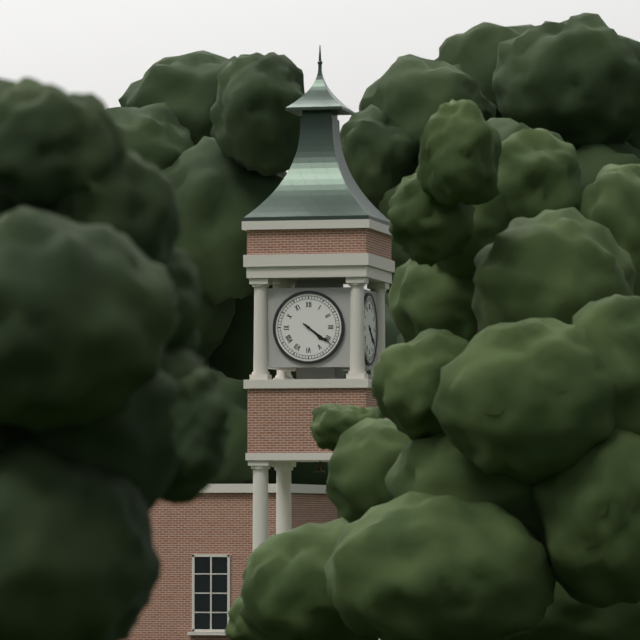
4:21
